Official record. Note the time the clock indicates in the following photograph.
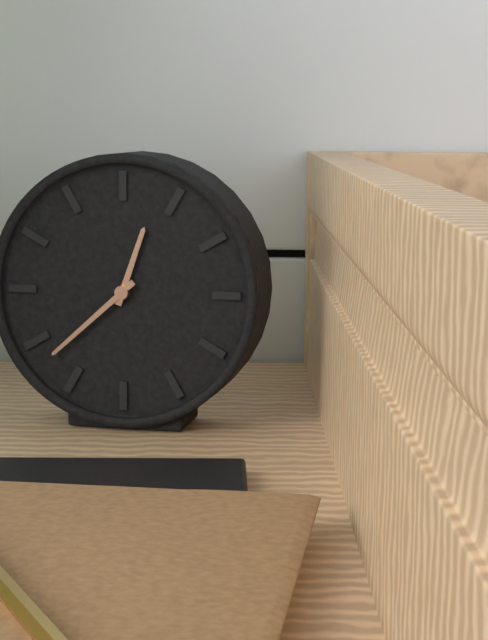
12:38
